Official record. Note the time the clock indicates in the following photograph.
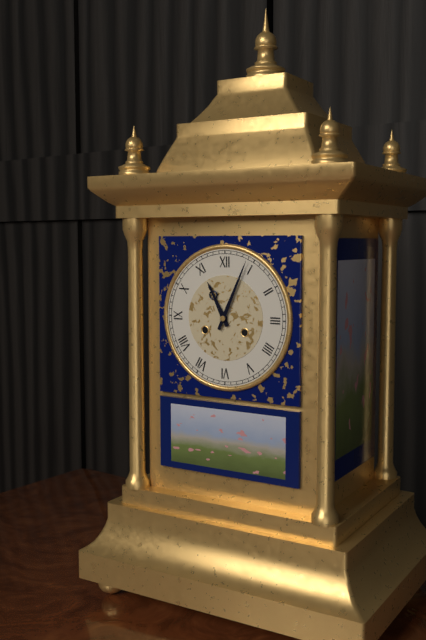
11:04
